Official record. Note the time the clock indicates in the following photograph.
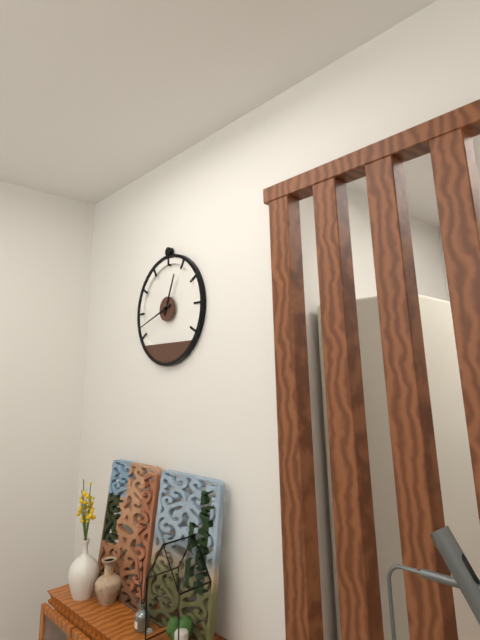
12:42
